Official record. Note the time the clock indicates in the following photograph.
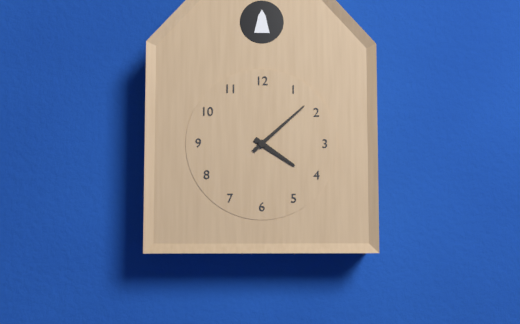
4:08
